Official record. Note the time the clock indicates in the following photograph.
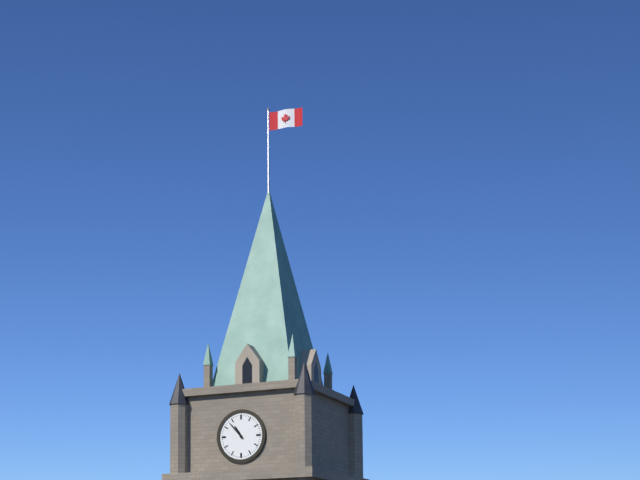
10:53
